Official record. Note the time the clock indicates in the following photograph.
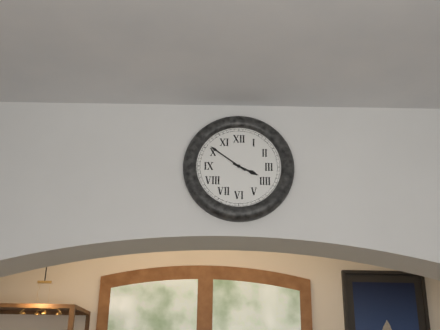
3:51
